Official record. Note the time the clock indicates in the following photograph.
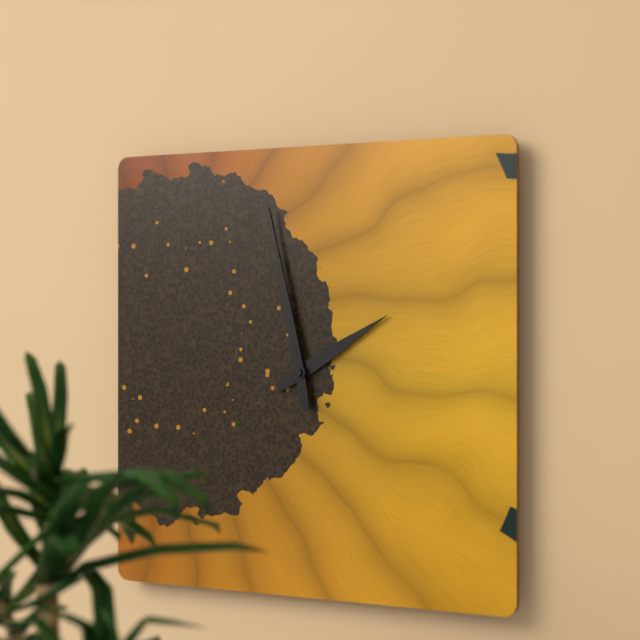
1:58
